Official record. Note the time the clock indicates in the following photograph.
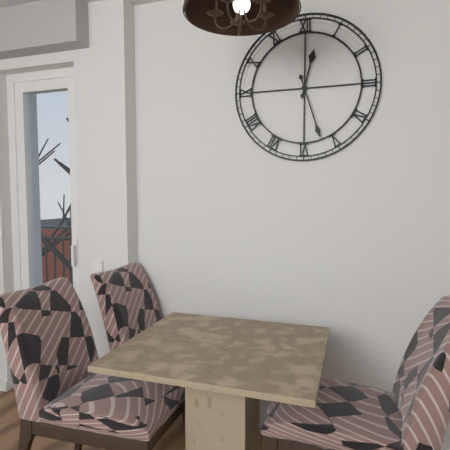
12:27
